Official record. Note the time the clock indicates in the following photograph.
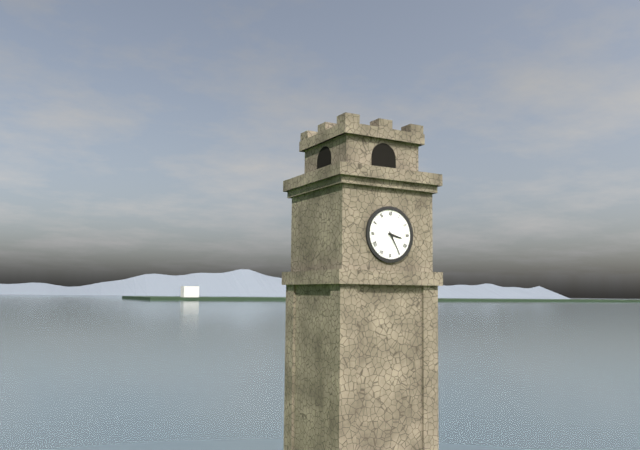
3:25
